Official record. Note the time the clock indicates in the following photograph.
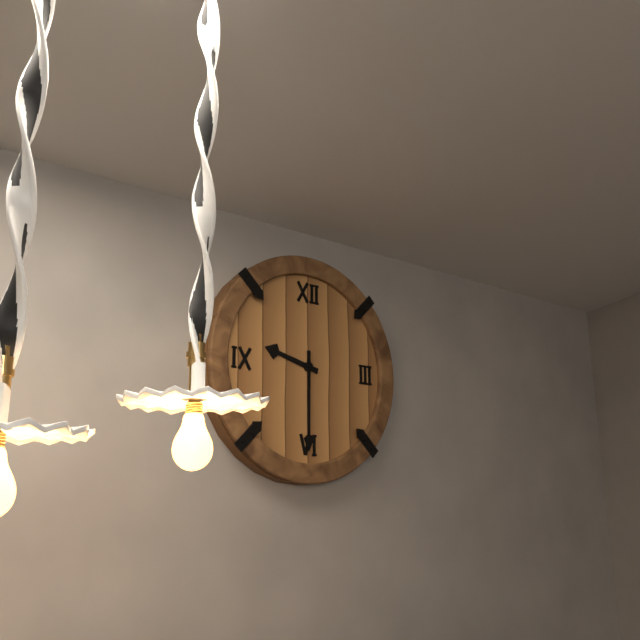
9:30
